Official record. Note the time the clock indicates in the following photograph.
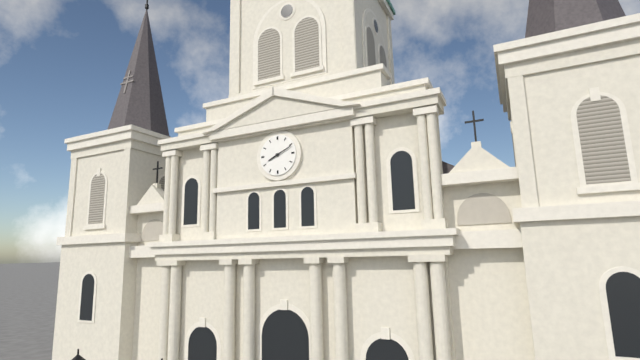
8:11
